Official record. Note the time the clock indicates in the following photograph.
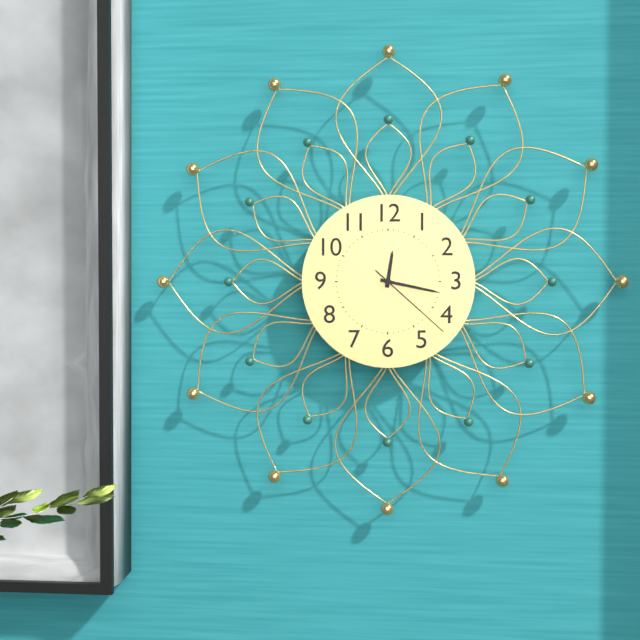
12:17:22
